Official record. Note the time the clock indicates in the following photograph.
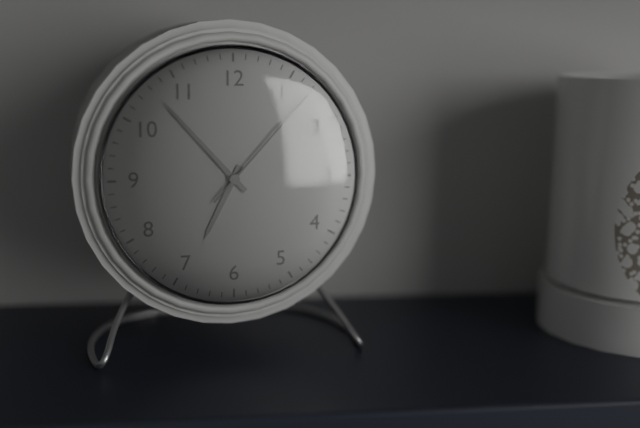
6:53:07
